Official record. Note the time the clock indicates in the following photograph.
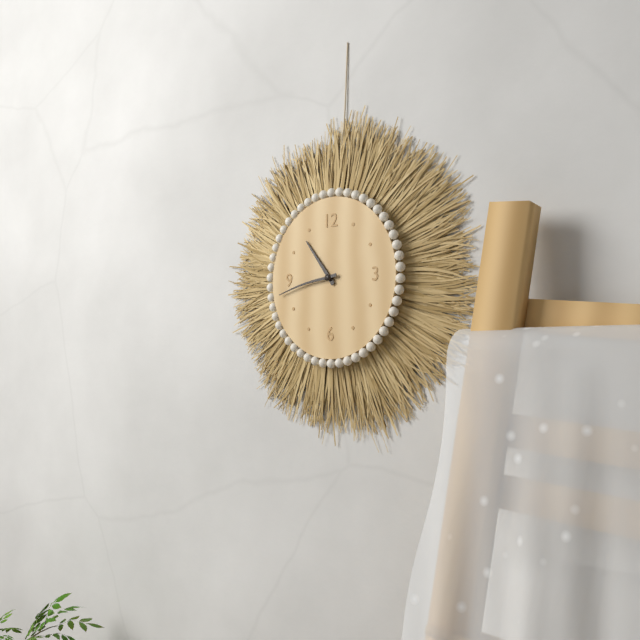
10:43
